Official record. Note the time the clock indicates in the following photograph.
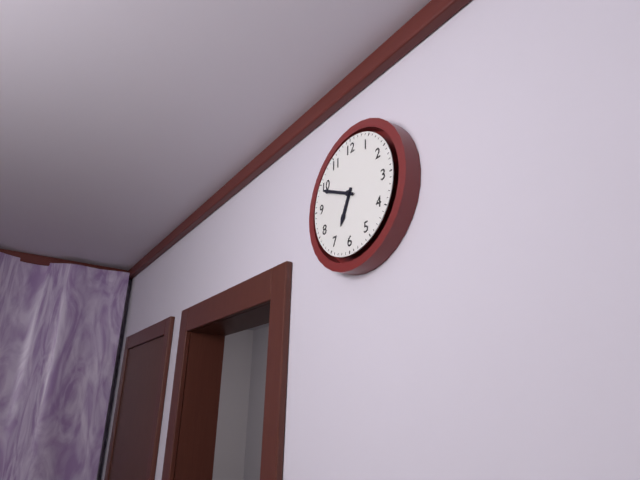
6:49
